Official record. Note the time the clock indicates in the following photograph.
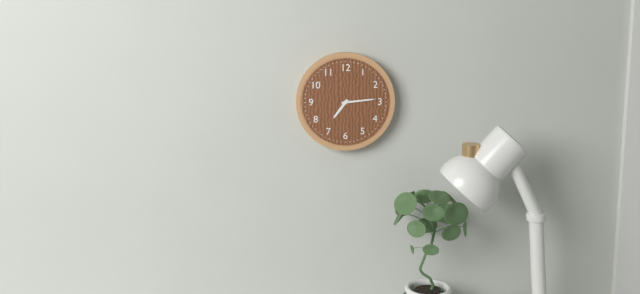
7:14
